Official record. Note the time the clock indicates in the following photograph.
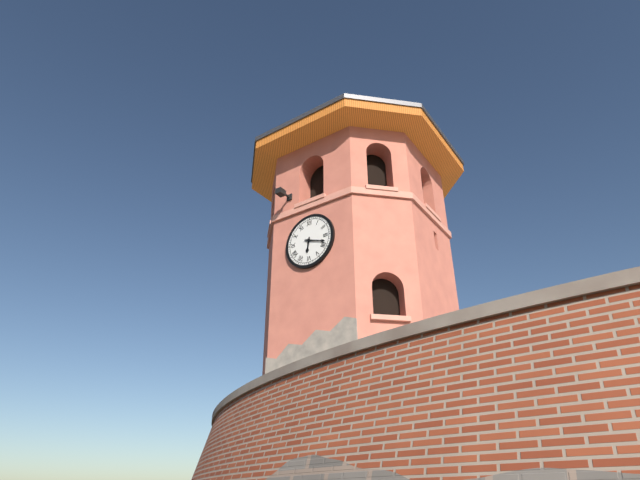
6:18
